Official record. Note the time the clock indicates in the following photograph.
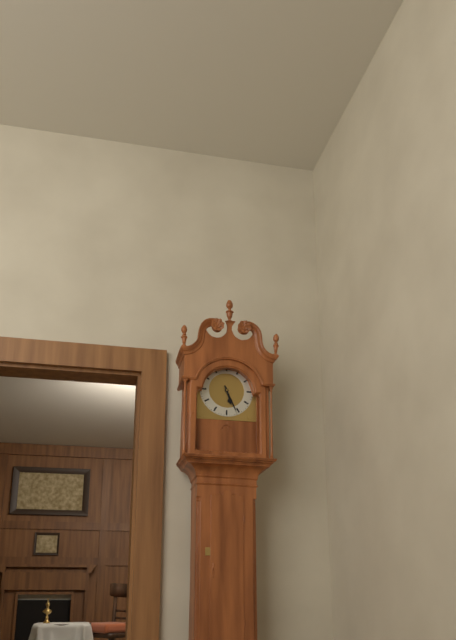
5:26
